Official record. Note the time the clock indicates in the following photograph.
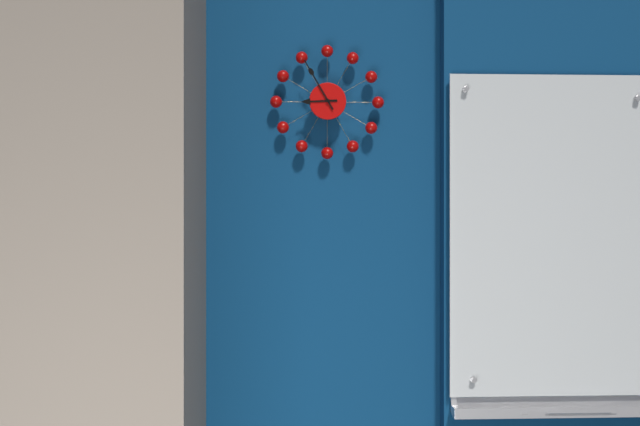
8:55
